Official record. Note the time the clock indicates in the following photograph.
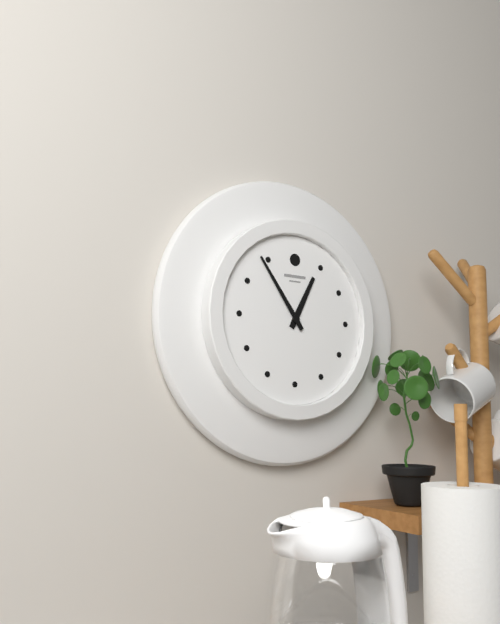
12:54
